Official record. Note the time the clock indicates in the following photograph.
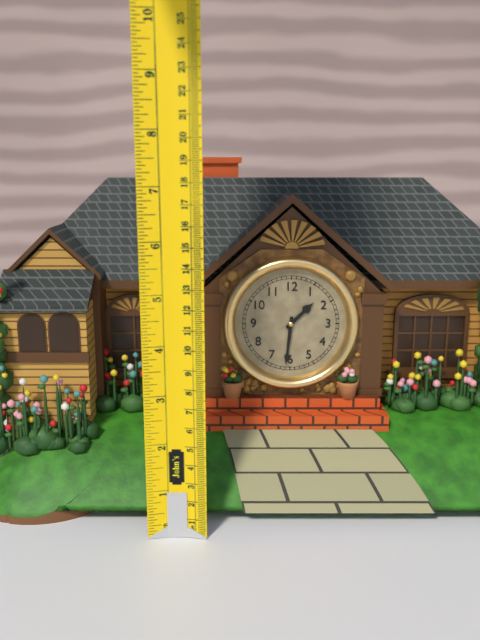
1:31
